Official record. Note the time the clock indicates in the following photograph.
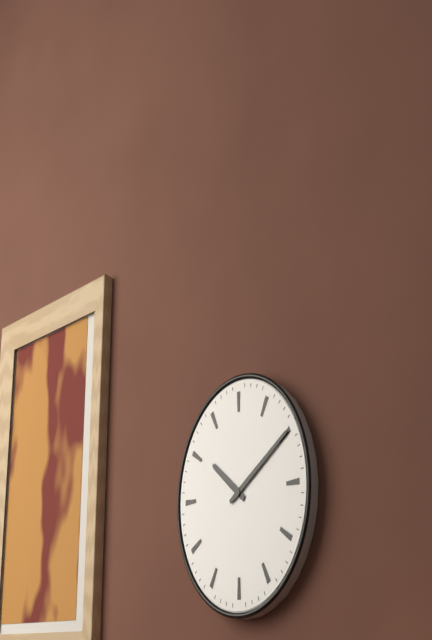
10:10
